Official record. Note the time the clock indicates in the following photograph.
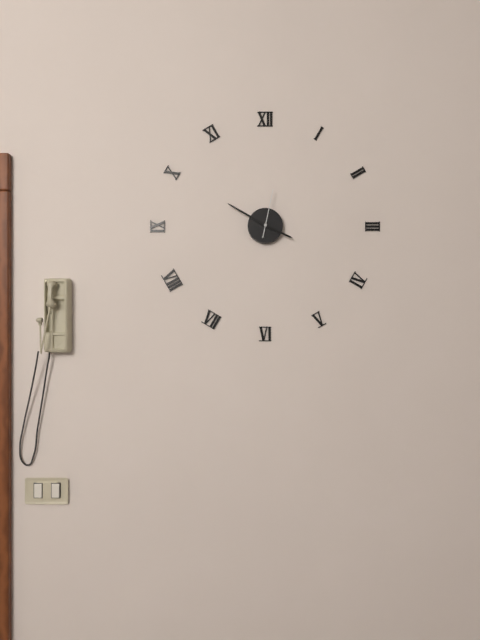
3:50
